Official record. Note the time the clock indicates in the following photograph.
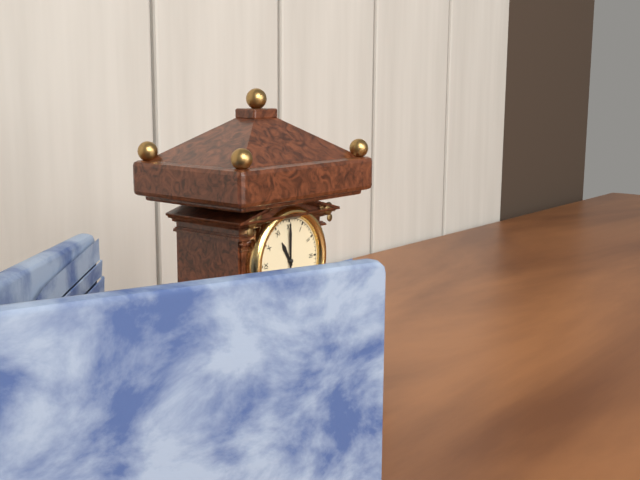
11:00
